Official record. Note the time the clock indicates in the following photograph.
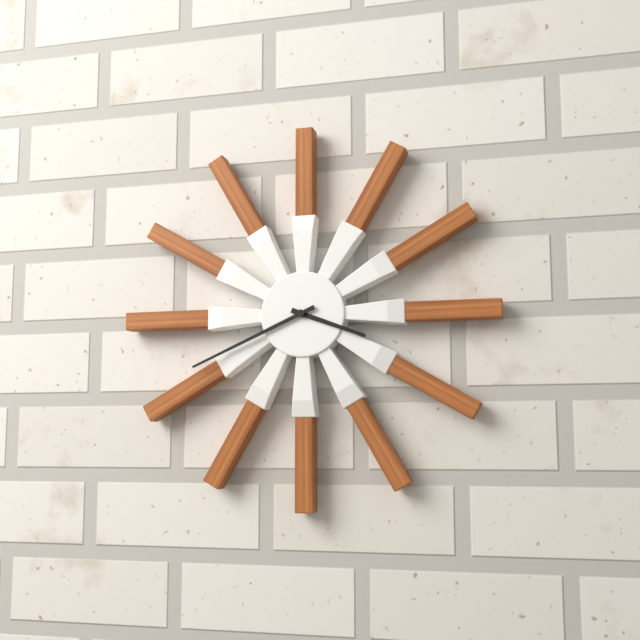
3:41
